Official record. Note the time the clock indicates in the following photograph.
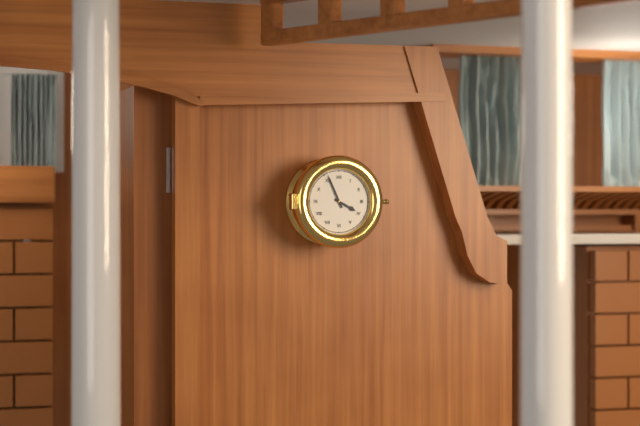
3:56
